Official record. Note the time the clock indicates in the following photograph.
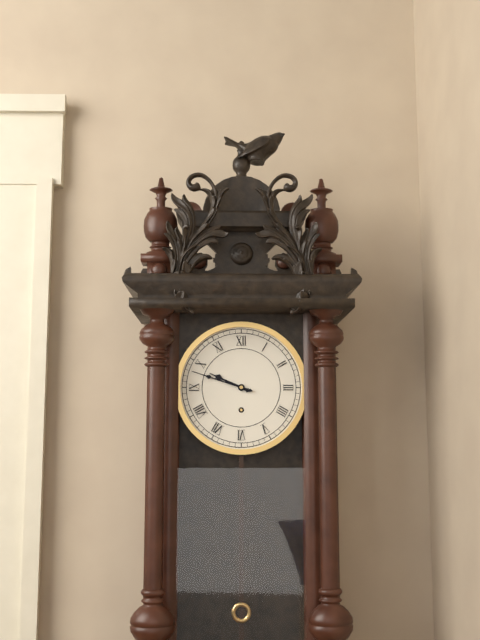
9:48
